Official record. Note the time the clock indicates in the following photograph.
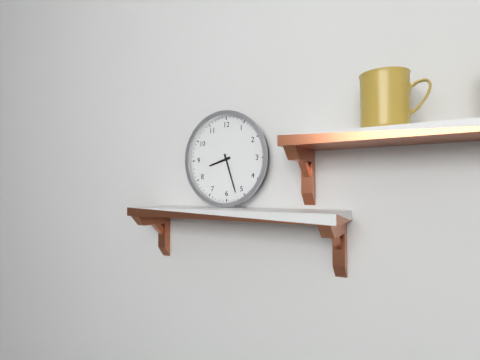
8:27
